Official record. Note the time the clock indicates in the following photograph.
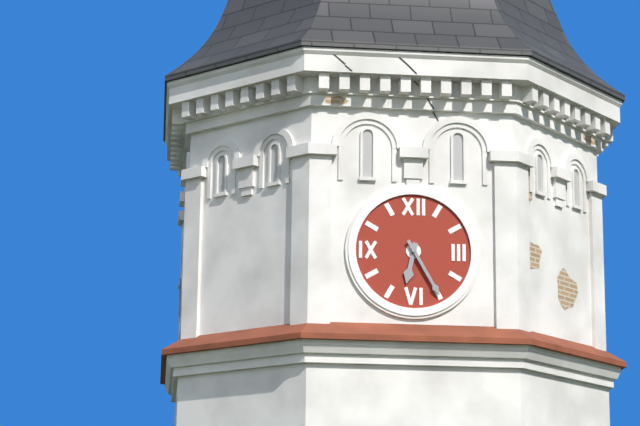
6:25
